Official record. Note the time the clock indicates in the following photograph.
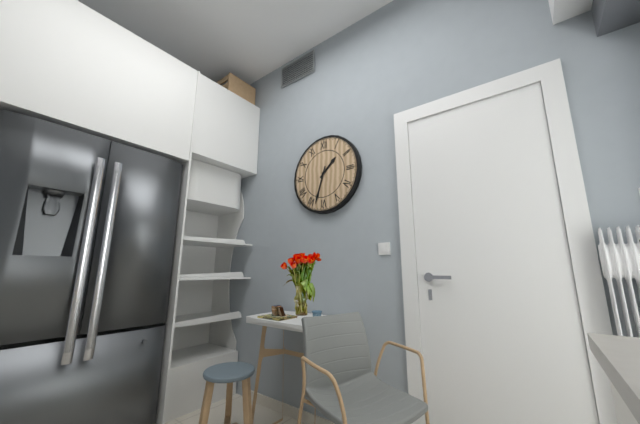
1:33
